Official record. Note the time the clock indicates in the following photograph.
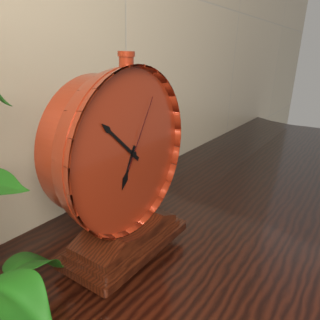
6:52:05
